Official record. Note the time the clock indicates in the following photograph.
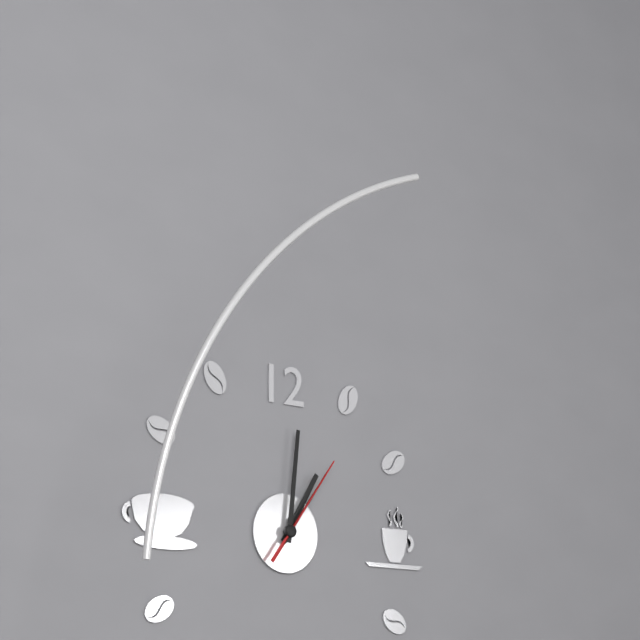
1:01:06
